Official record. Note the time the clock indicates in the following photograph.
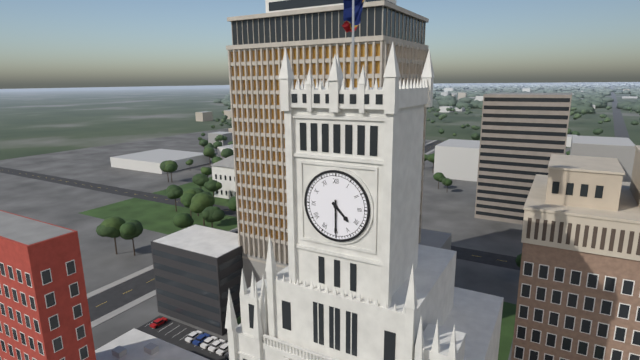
4:30
